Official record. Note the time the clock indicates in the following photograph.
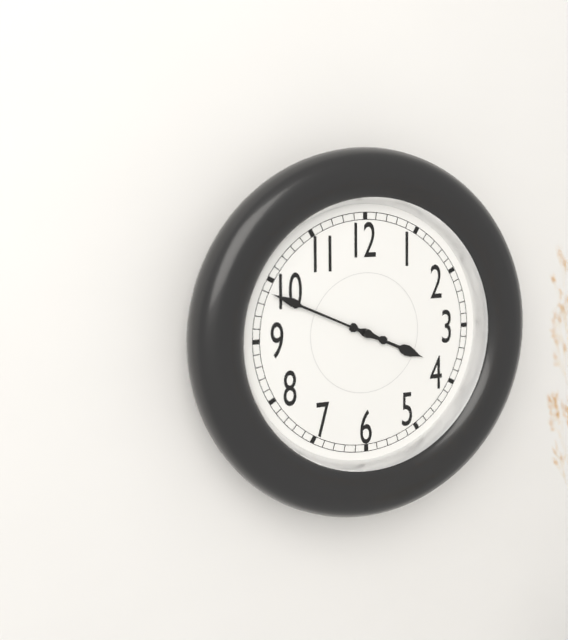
3:49
